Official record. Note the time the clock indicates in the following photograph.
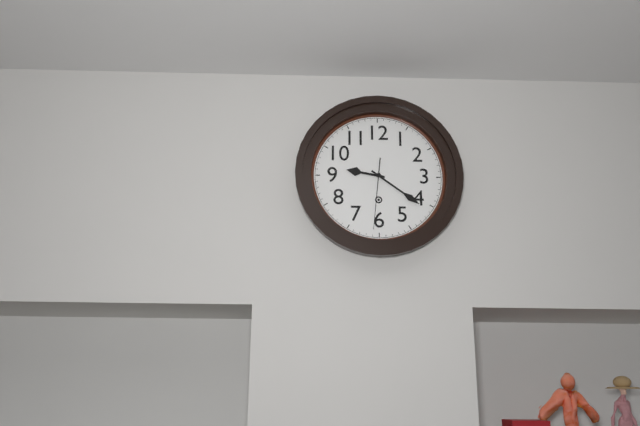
9:21:31
